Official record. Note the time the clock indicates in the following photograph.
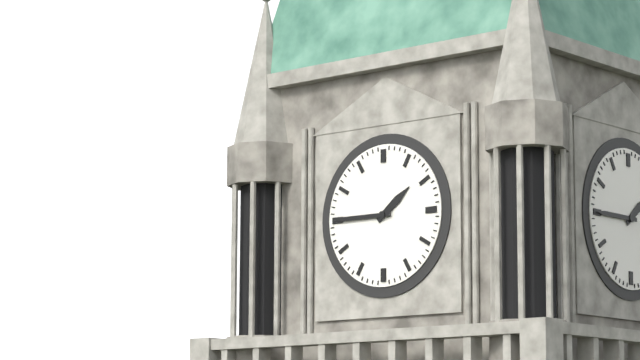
1:45
